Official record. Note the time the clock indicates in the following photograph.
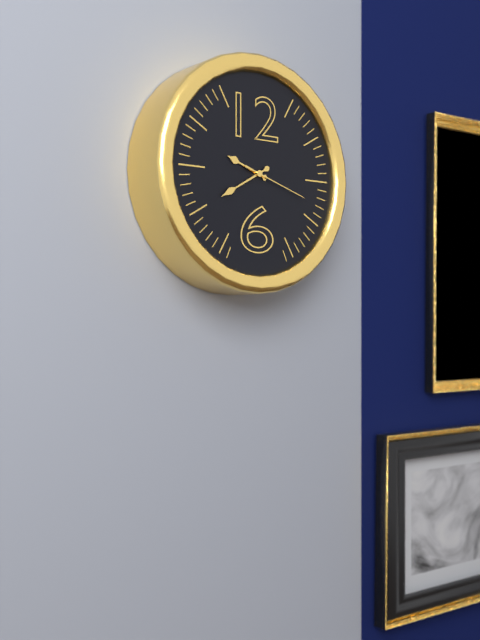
9:40:18
